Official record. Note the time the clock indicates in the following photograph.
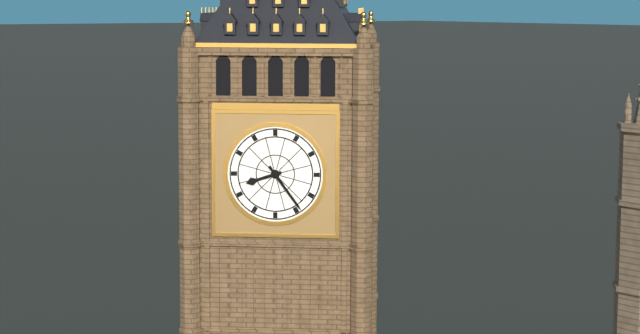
8:24
